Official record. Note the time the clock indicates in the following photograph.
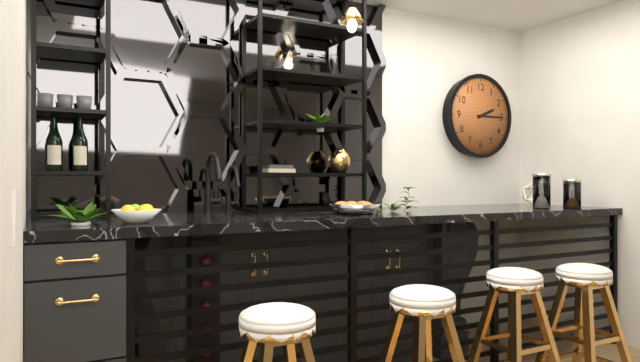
2:15
